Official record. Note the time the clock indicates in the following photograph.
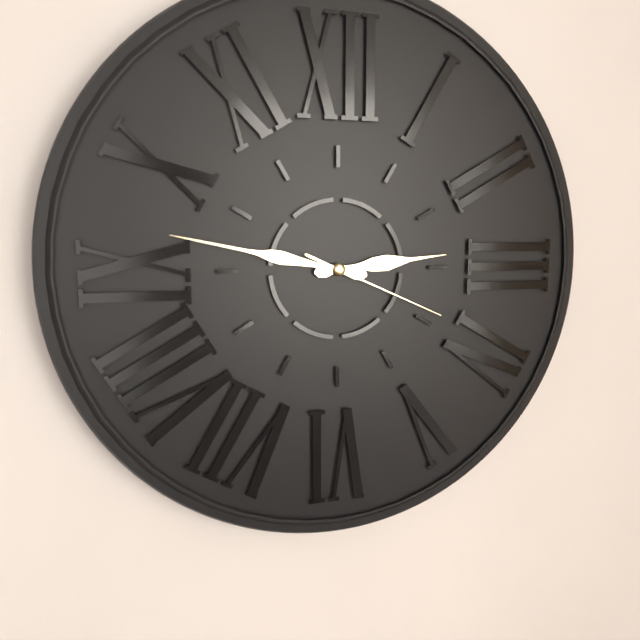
2:47:19
